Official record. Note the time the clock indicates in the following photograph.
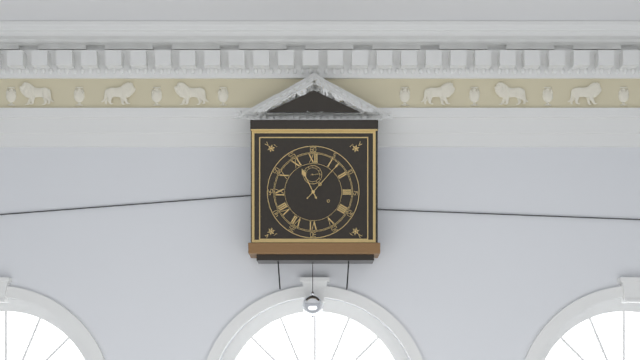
11:07
